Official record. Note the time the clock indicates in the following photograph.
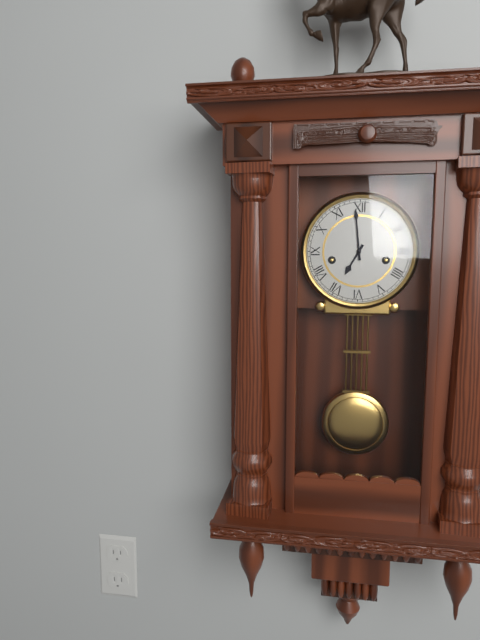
6:59
